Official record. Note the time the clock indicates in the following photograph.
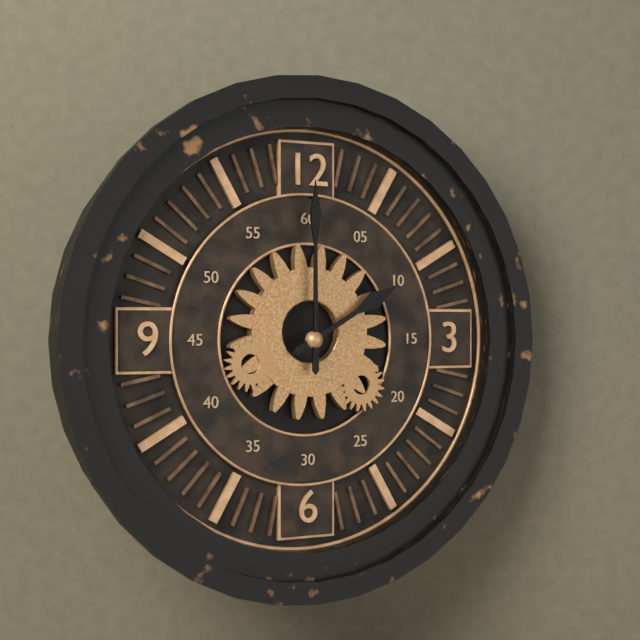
2:00
